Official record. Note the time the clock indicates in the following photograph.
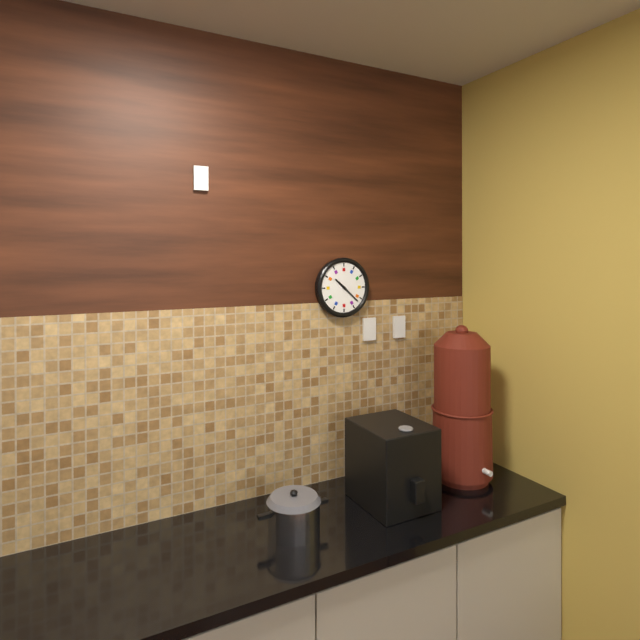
10:22
